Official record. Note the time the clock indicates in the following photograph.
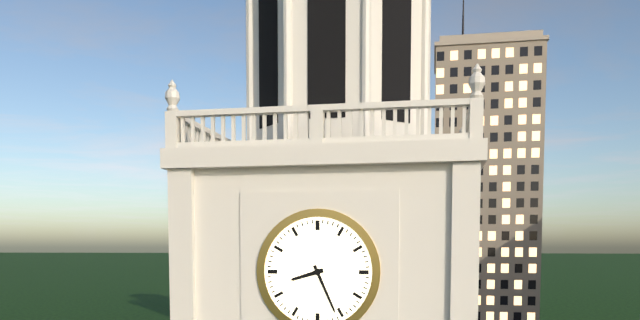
8:26
